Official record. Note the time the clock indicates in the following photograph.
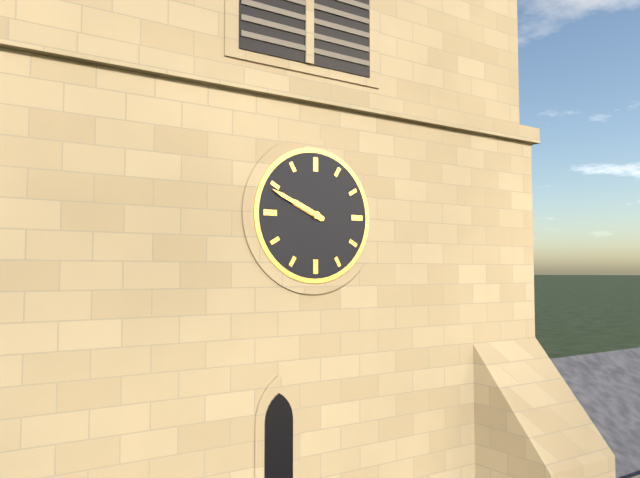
9:49
